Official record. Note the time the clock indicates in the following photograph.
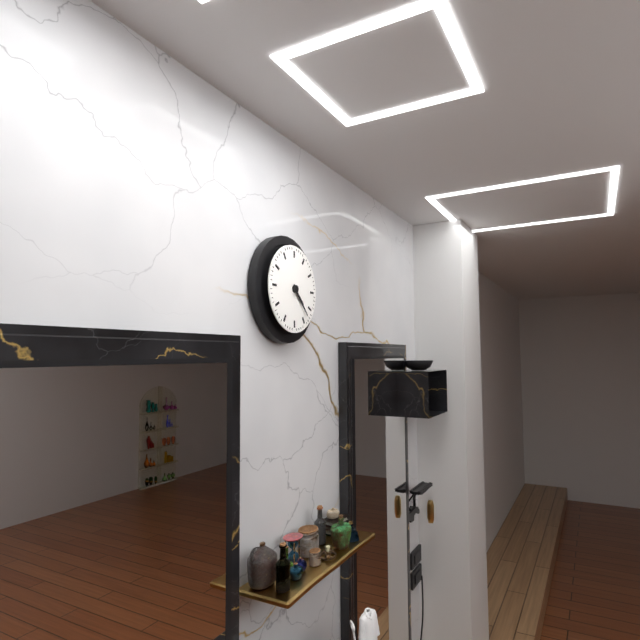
4:23
